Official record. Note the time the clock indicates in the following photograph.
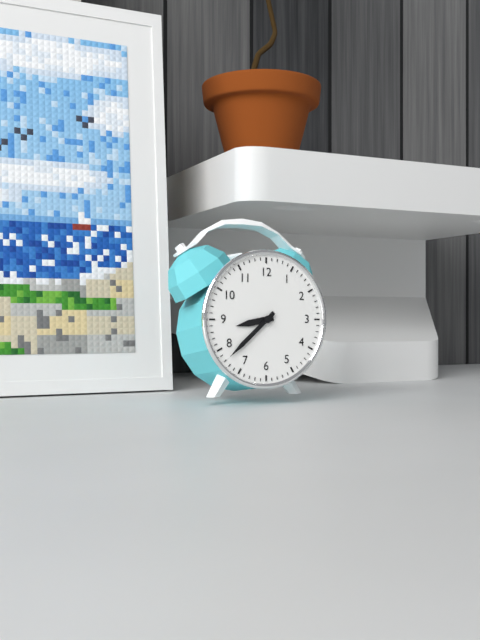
8:38
